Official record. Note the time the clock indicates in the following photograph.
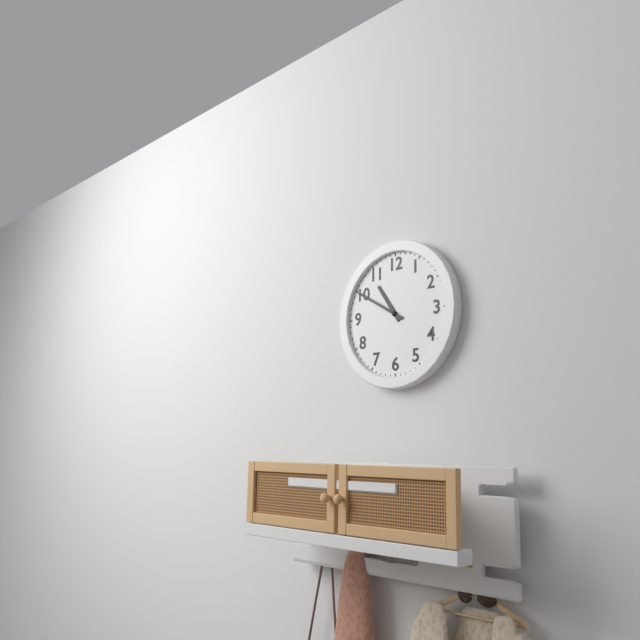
10:50
